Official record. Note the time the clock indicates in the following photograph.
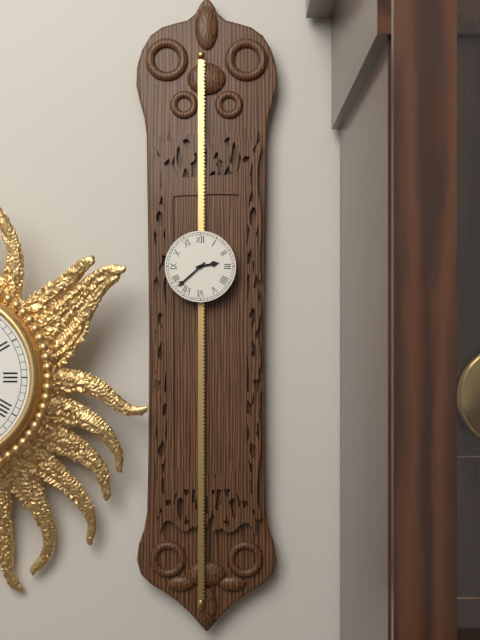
2:38
